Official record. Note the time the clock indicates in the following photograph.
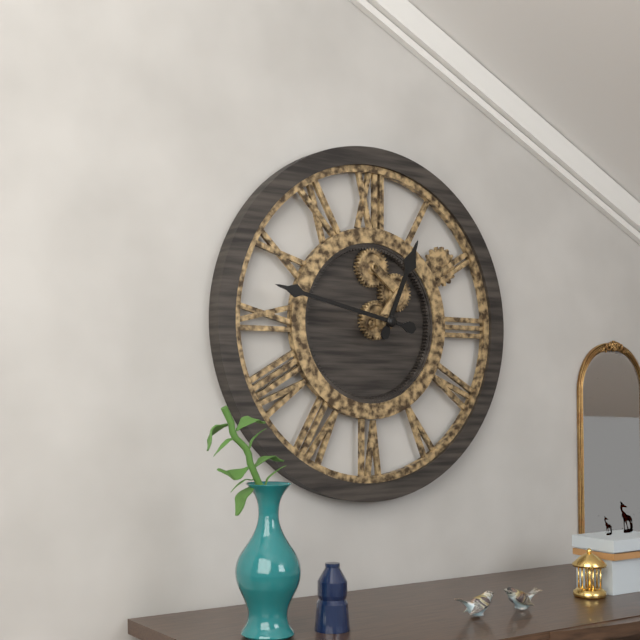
12:47
